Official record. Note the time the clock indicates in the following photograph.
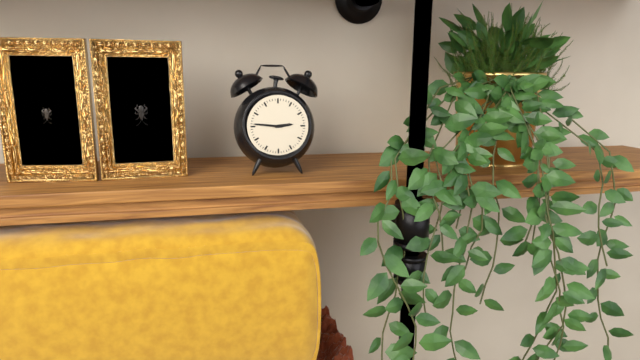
2:46
